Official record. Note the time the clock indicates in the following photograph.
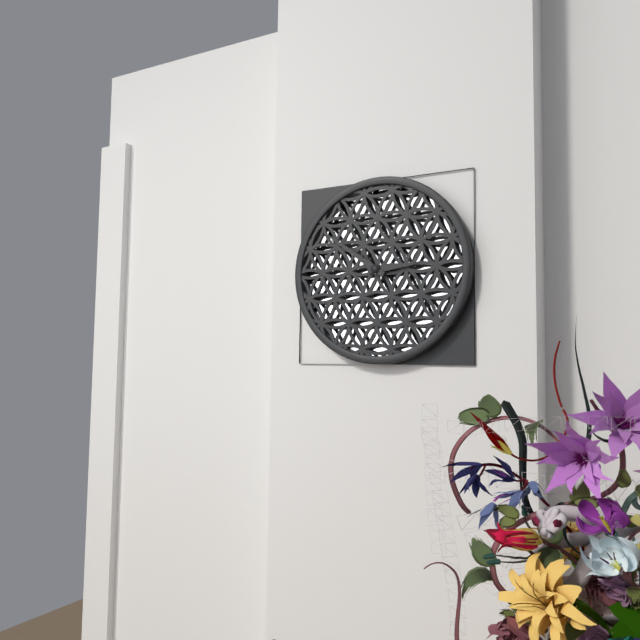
2:51
